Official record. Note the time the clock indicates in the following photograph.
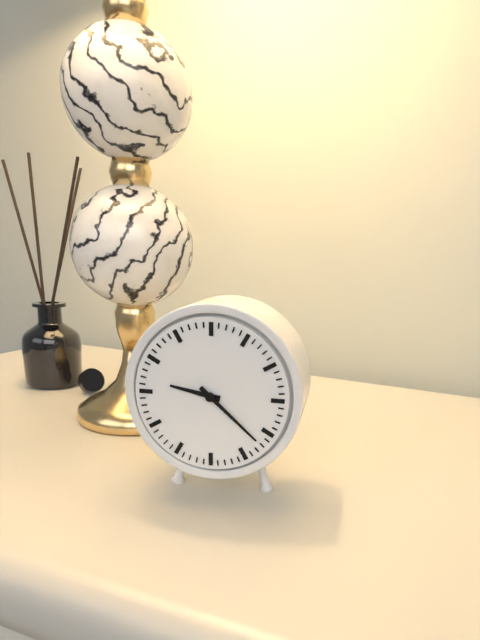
9:22
